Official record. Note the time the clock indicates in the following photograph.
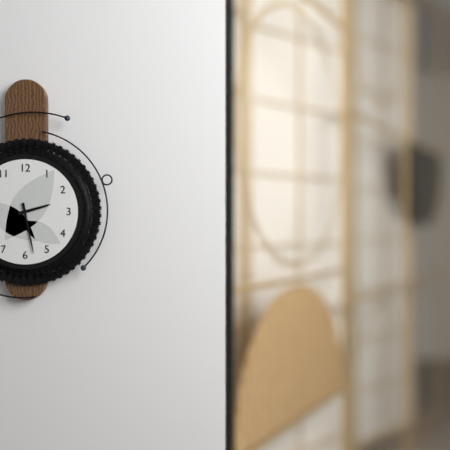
2:28
